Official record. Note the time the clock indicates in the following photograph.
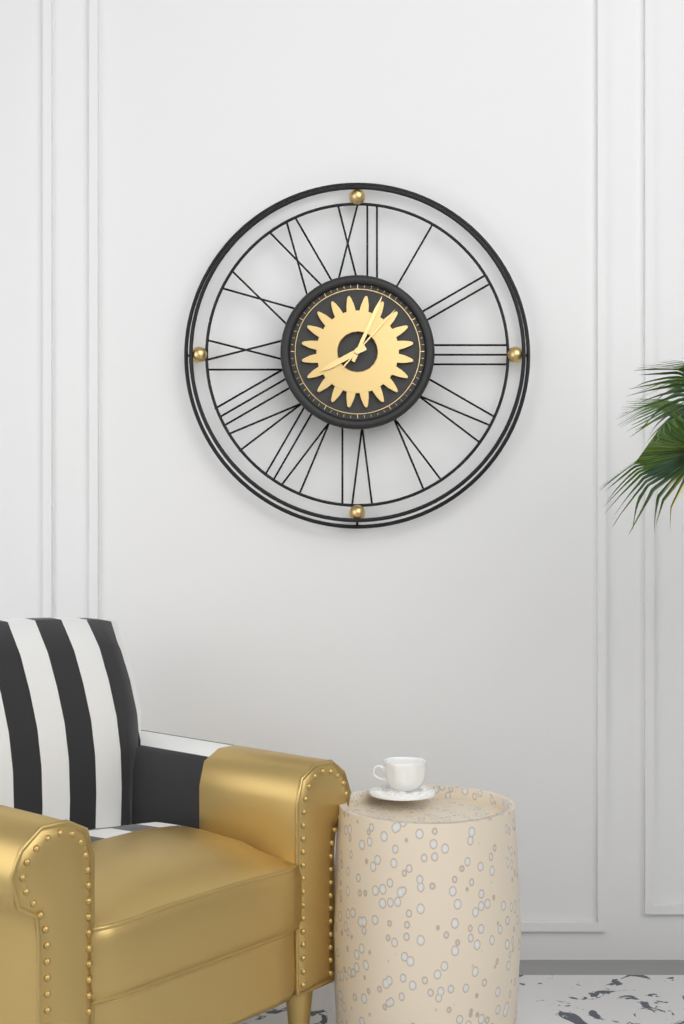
8:04:07
